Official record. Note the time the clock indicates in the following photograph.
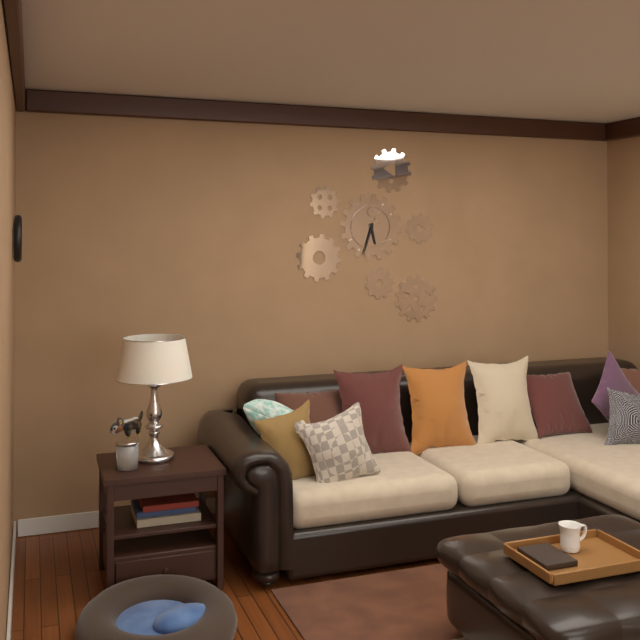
5:33
